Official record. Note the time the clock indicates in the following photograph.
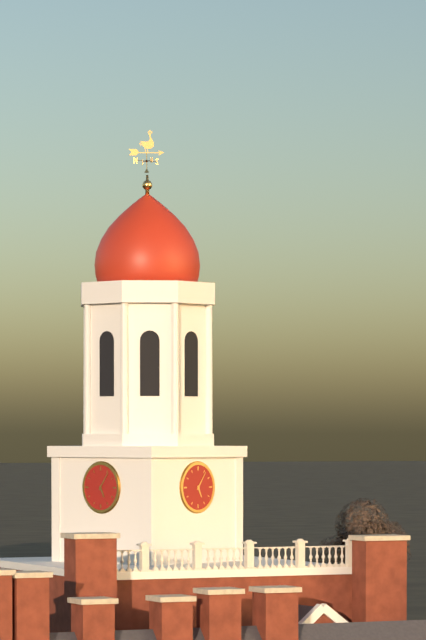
5:06
